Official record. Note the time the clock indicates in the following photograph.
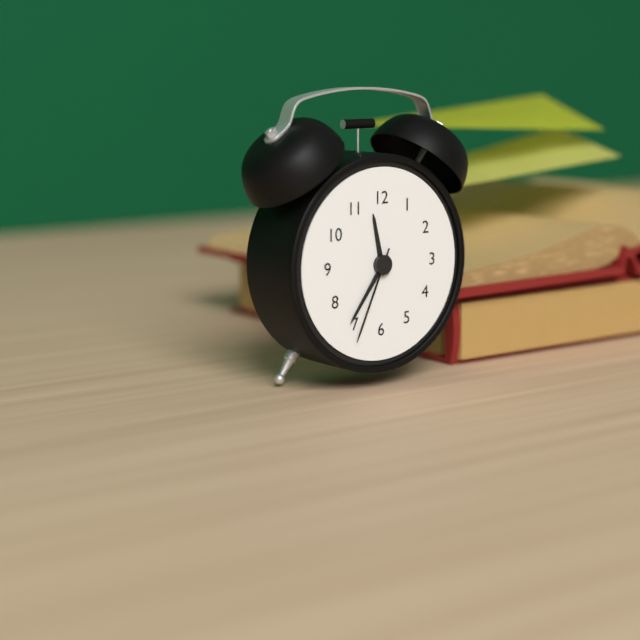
11:36:34
